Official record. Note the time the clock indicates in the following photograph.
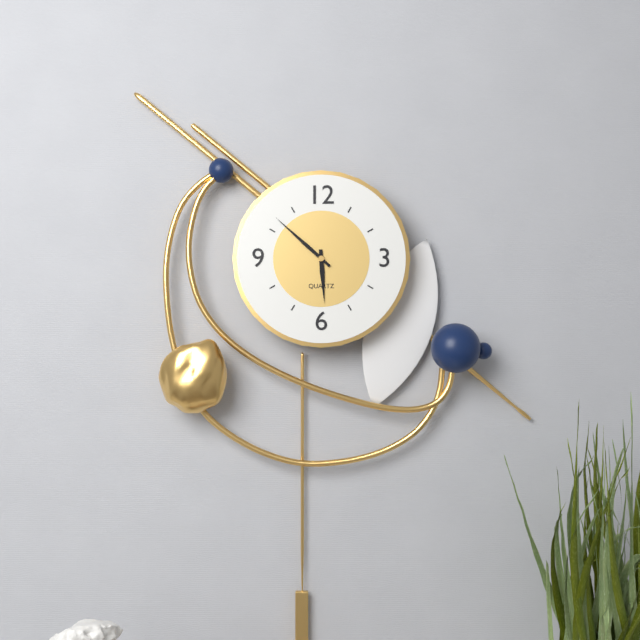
5:52
